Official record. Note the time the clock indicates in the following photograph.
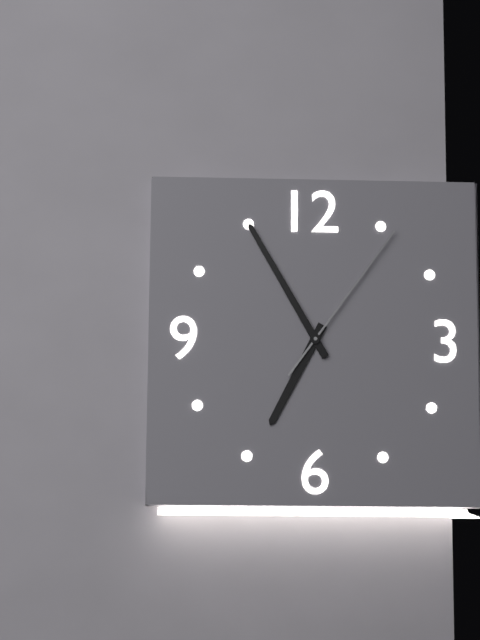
6:55:06
